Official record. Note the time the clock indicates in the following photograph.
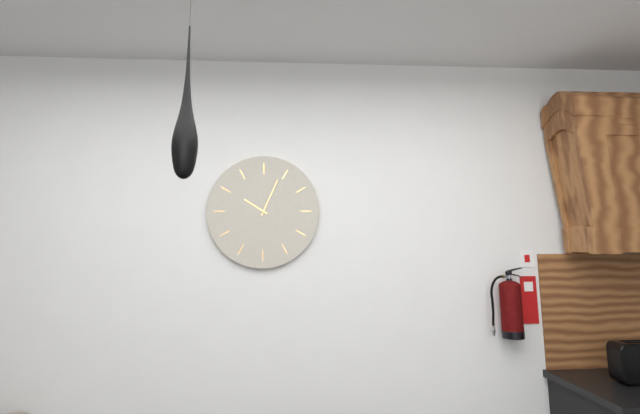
10:04
